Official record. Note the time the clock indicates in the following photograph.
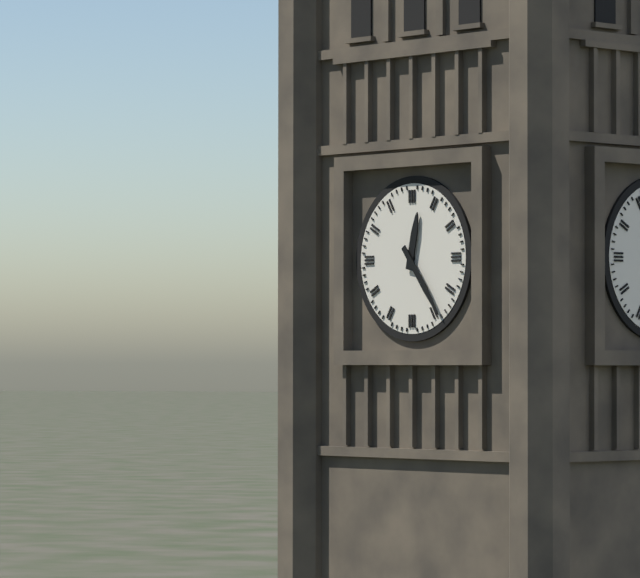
12:24
